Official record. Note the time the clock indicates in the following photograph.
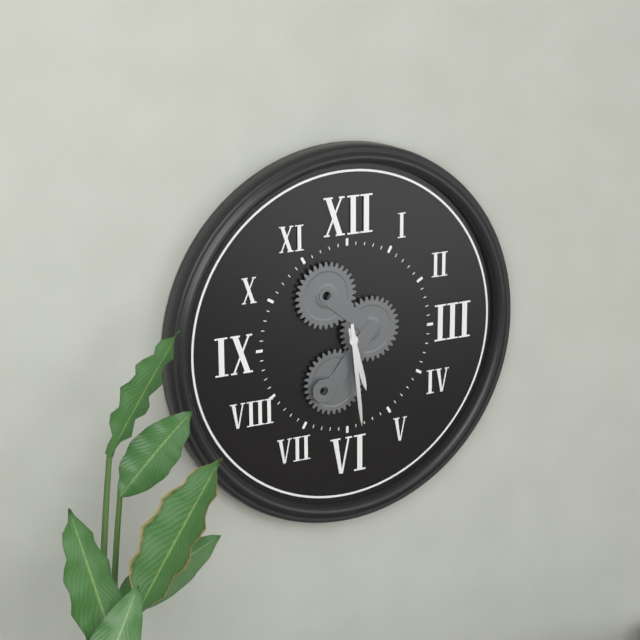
5:29
